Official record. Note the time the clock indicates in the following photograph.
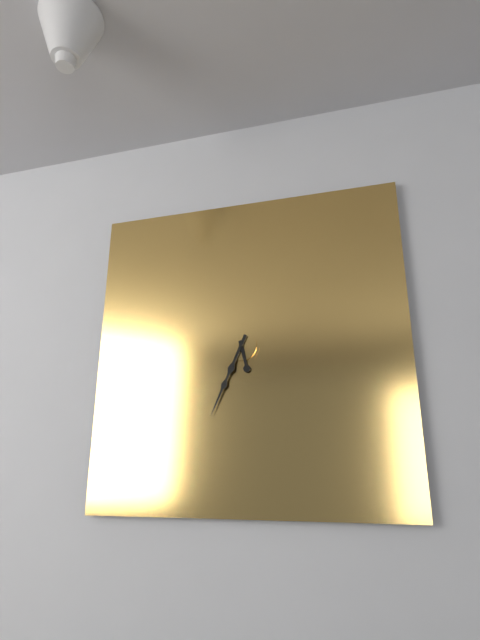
5:34
